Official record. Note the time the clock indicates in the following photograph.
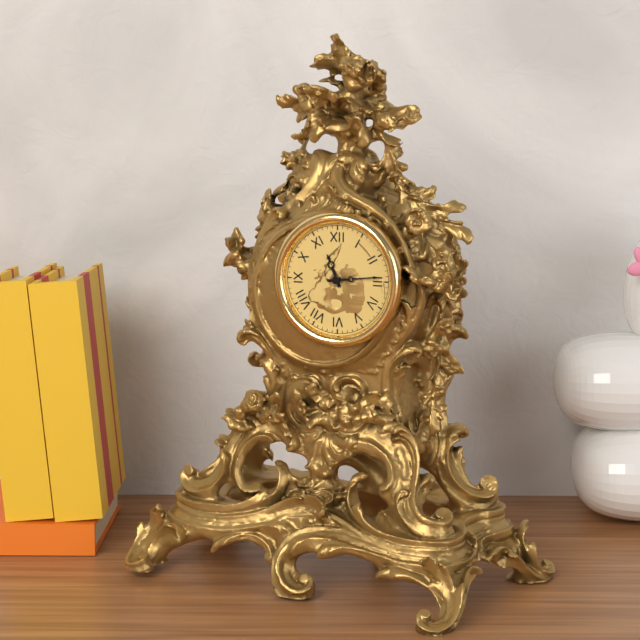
11:14
